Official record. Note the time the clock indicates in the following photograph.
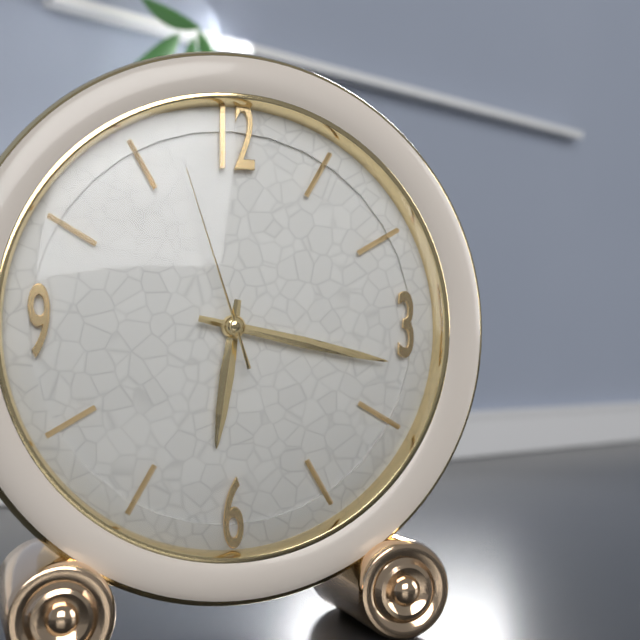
6:17:57
